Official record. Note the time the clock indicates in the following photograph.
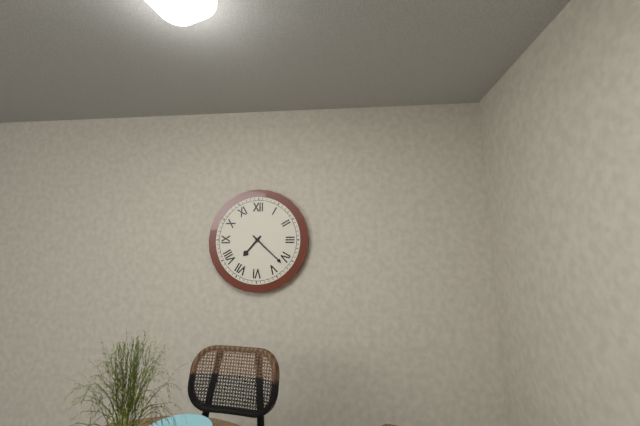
7:22
